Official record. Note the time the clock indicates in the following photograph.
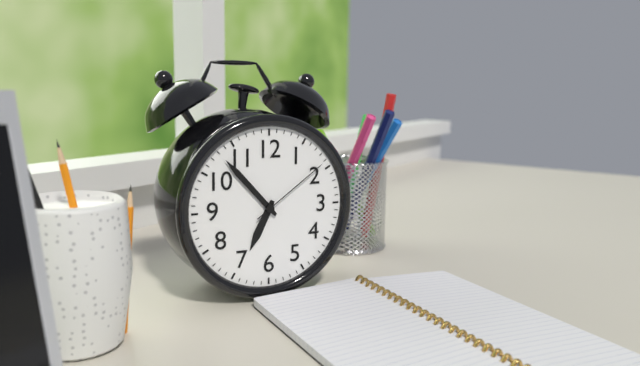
6:53:09
